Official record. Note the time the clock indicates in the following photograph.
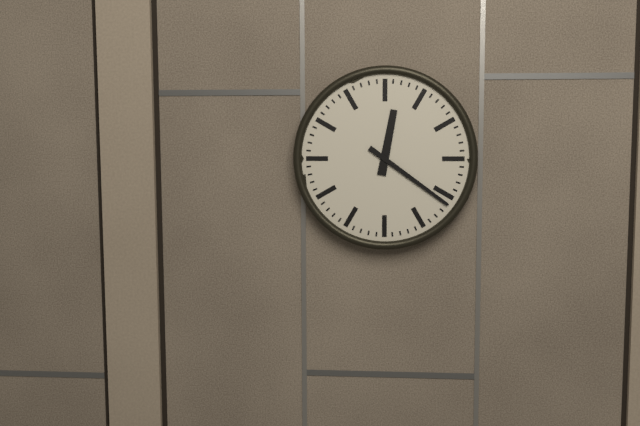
12:21
